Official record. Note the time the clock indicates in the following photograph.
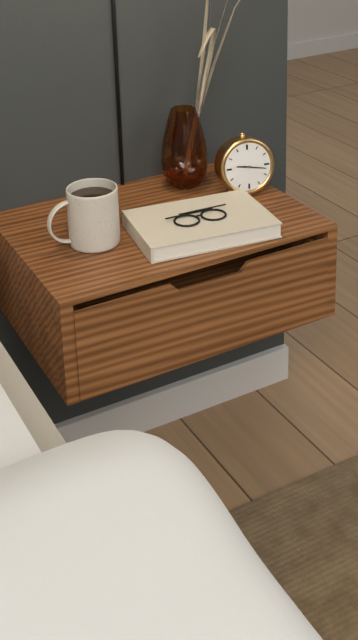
9:17
